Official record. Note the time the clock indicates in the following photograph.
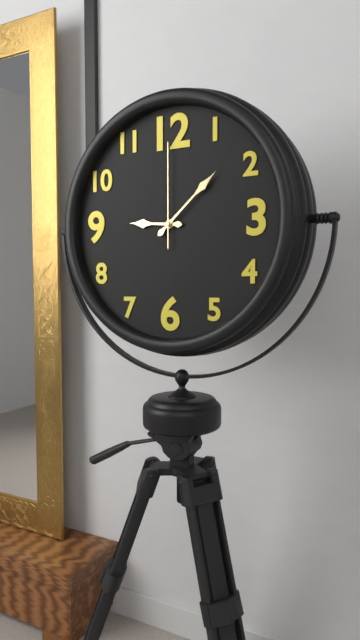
9:08:00
